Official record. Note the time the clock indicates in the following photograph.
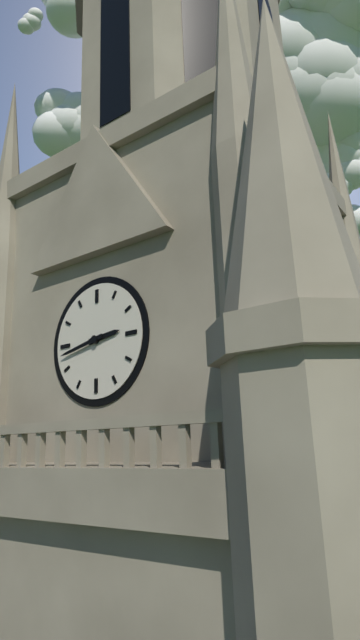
2:43
